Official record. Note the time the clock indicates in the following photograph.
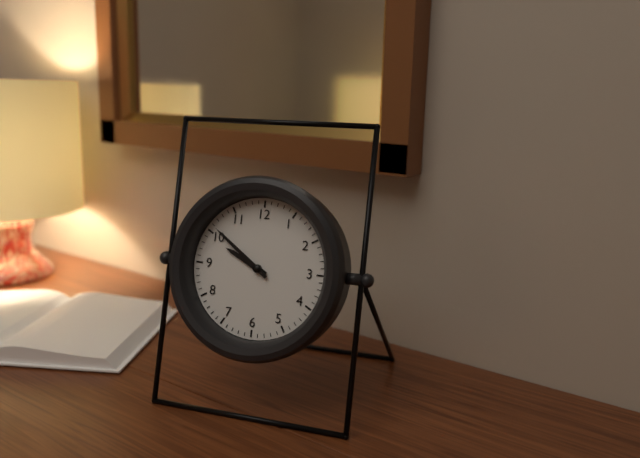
9:51
